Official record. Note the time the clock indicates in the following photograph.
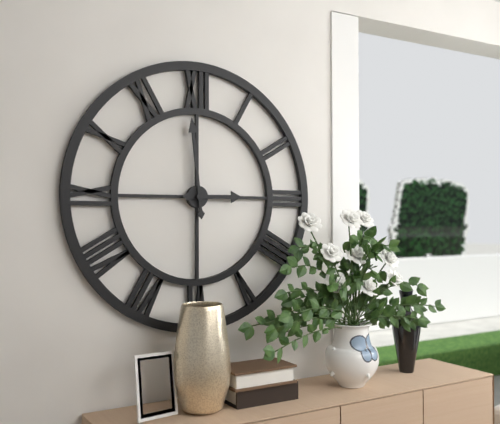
2:59
